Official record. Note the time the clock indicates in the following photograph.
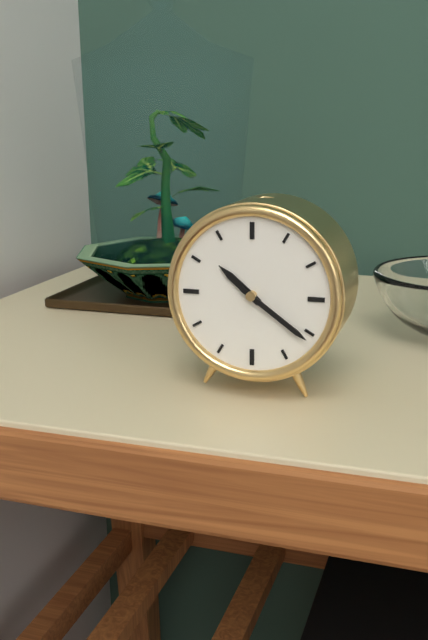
10:21
